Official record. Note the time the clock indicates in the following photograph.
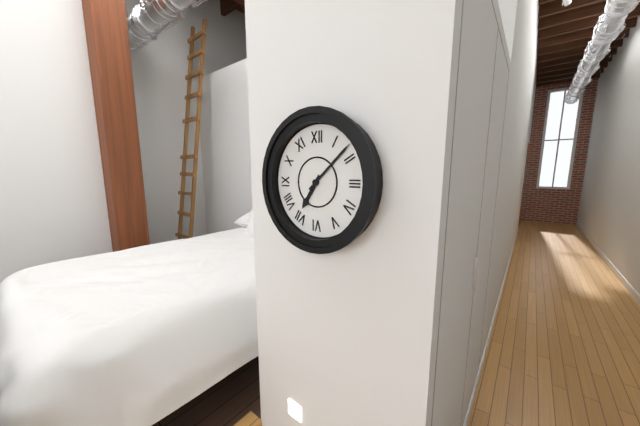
7:08
